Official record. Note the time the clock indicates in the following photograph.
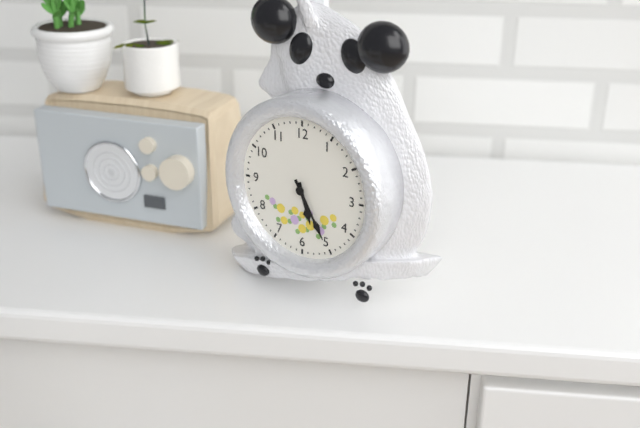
5:25
